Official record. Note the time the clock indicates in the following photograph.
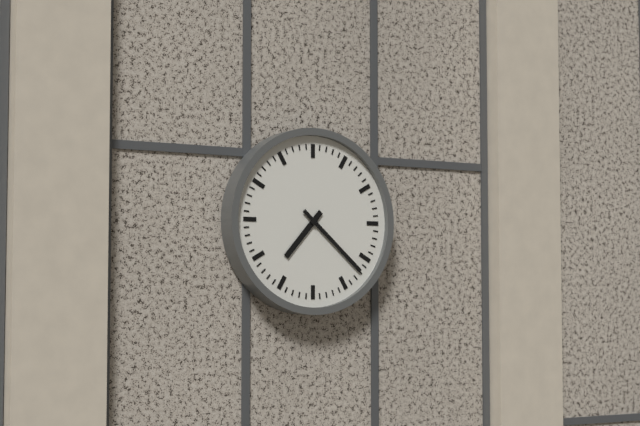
7:22
